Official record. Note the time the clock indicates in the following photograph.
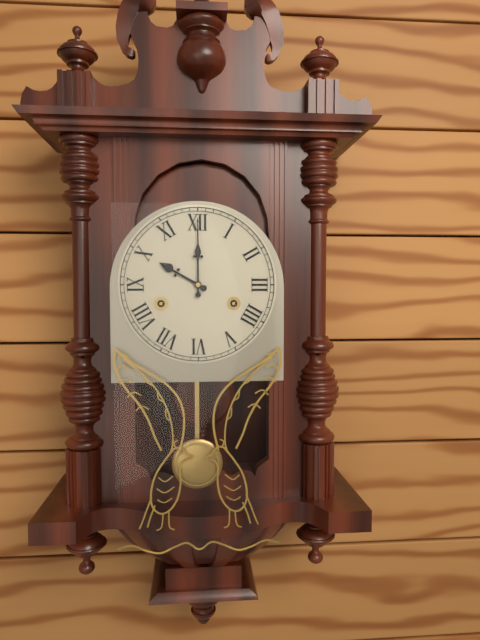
10:00
